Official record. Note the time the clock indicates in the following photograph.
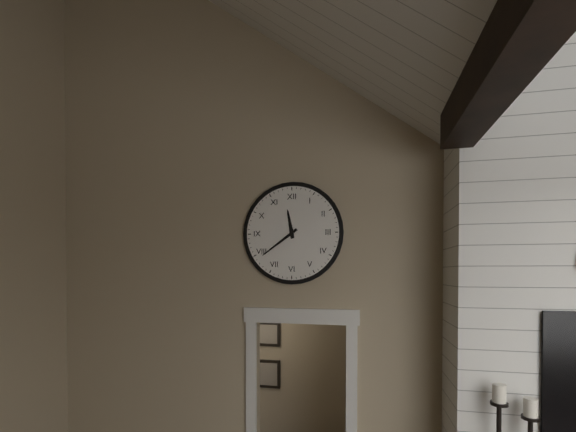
11:39
